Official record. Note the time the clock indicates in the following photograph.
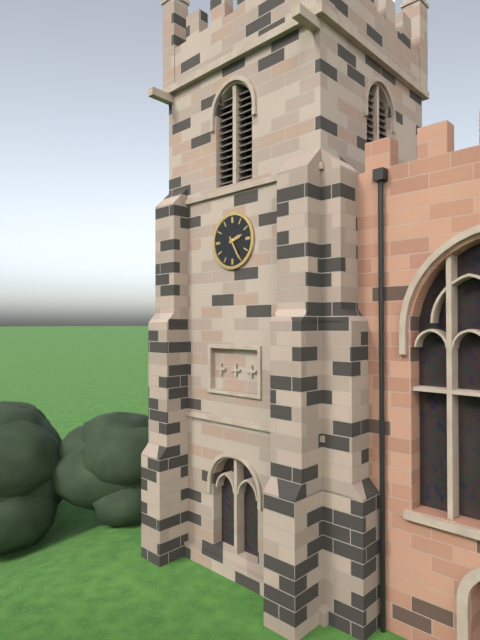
2:25
